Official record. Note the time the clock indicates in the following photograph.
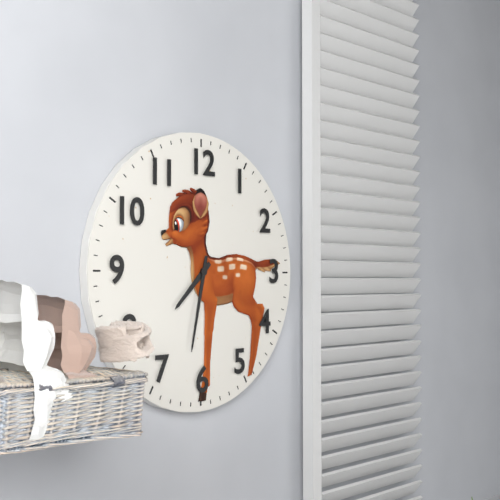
7:32
